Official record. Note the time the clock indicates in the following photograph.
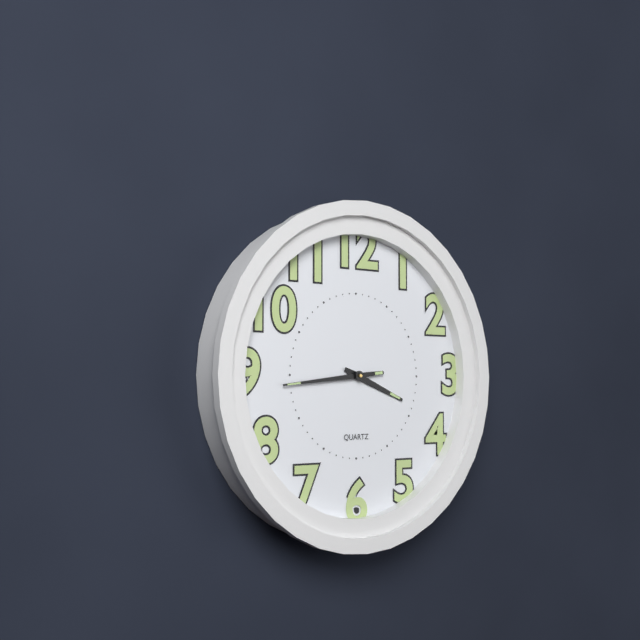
3:44
